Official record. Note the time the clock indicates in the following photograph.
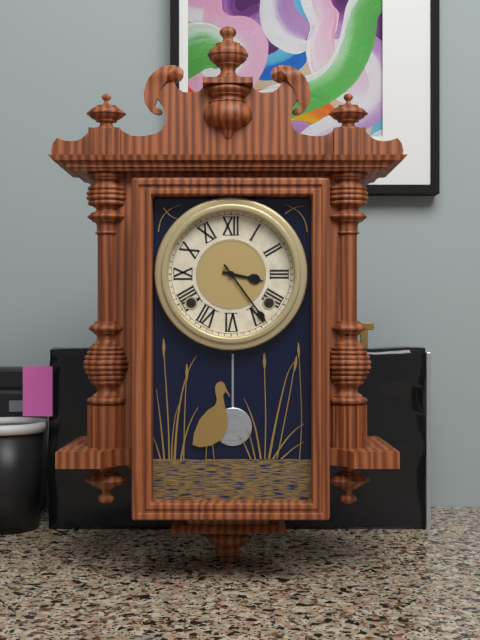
3:24
